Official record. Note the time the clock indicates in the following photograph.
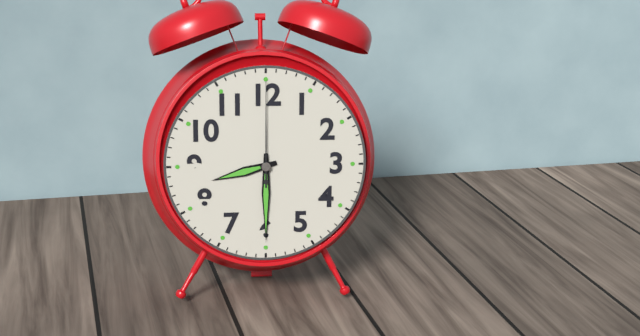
8:30:00
